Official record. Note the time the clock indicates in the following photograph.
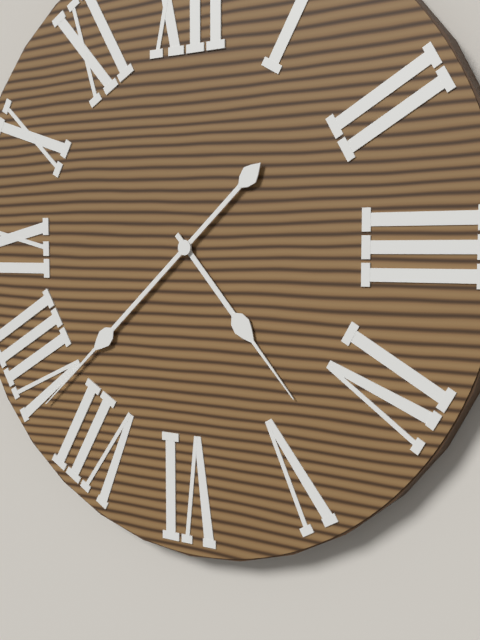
4:38
